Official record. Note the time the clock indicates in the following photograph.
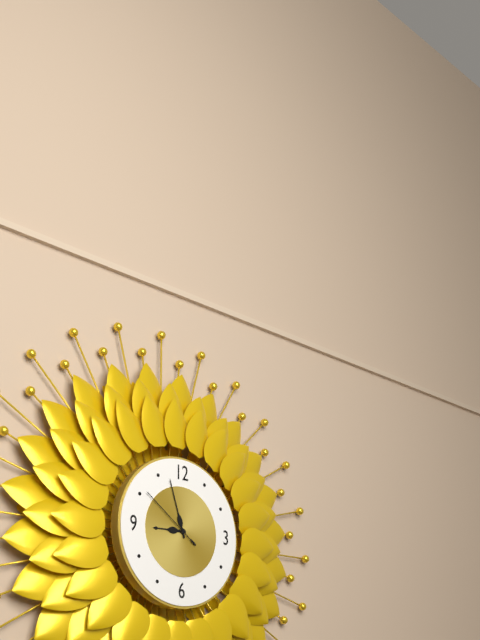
8:57:51
